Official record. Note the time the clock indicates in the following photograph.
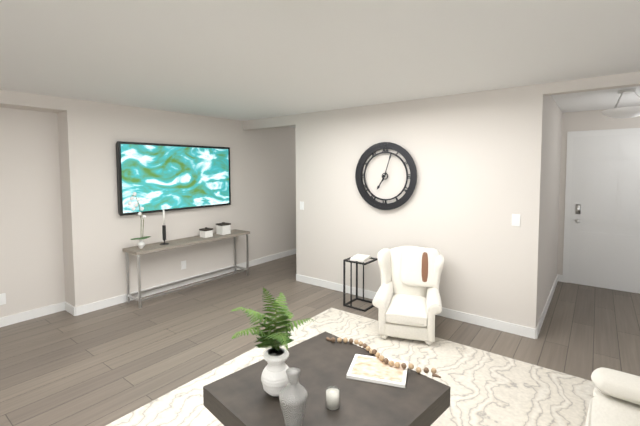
7:03
